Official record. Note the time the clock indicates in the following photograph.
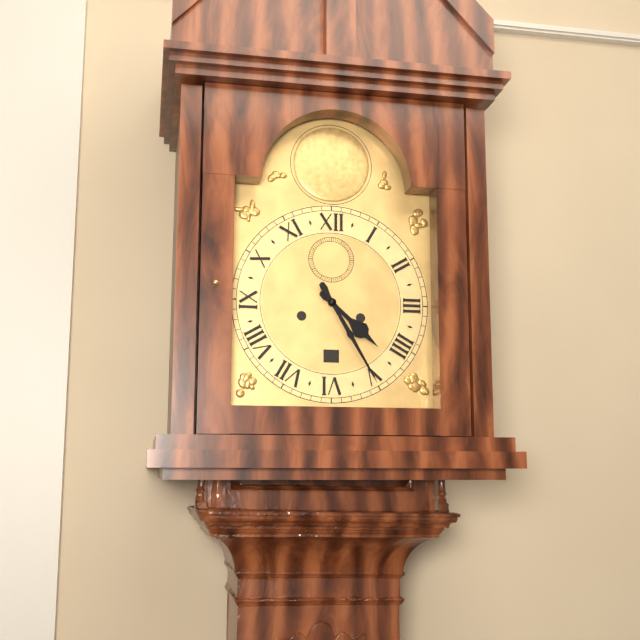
4:25
